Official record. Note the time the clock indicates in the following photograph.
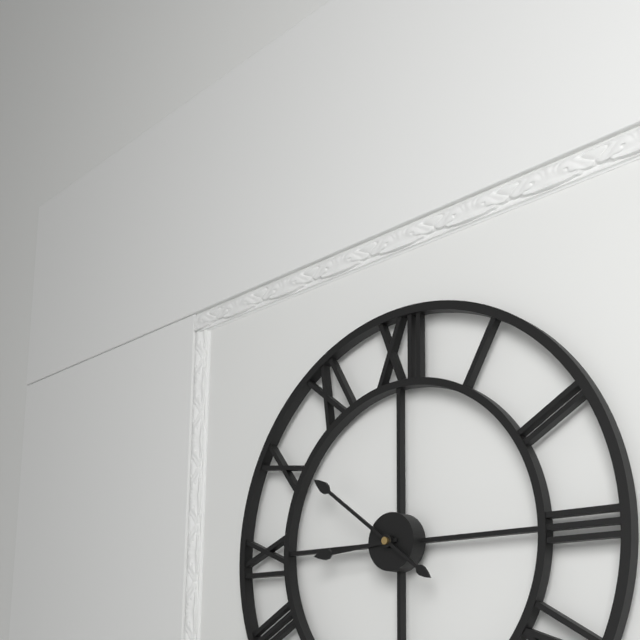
8:51
